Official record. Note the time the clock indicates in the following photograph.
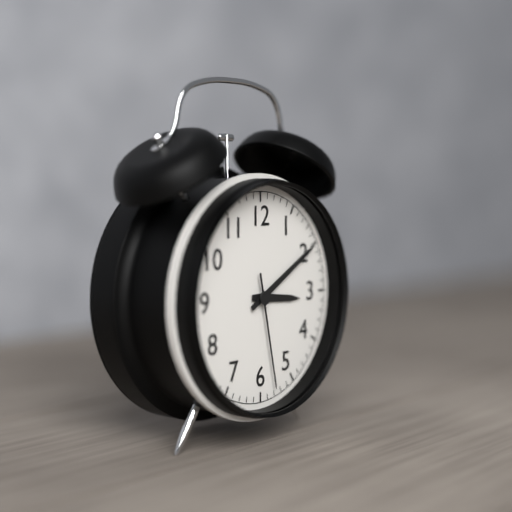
3:10:28
